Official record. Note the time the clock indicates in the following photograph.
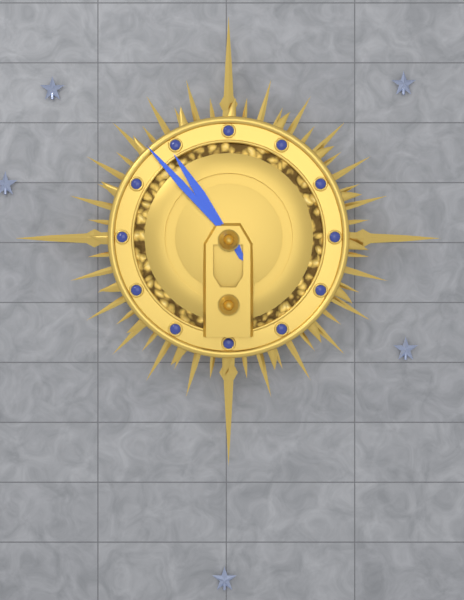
10:53
